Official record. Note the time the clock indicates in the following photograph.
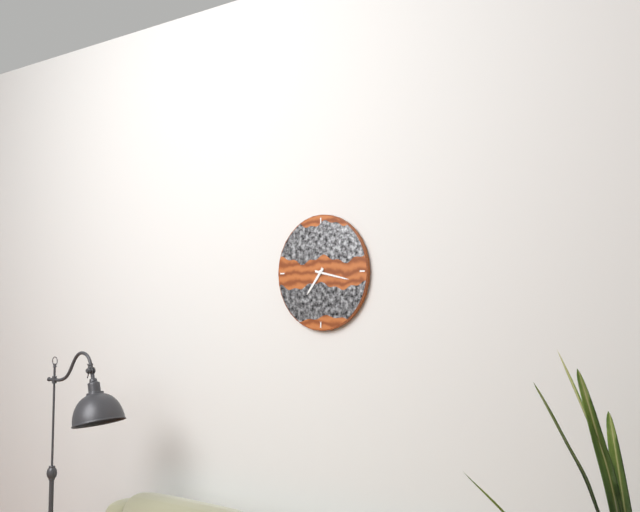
7:17
